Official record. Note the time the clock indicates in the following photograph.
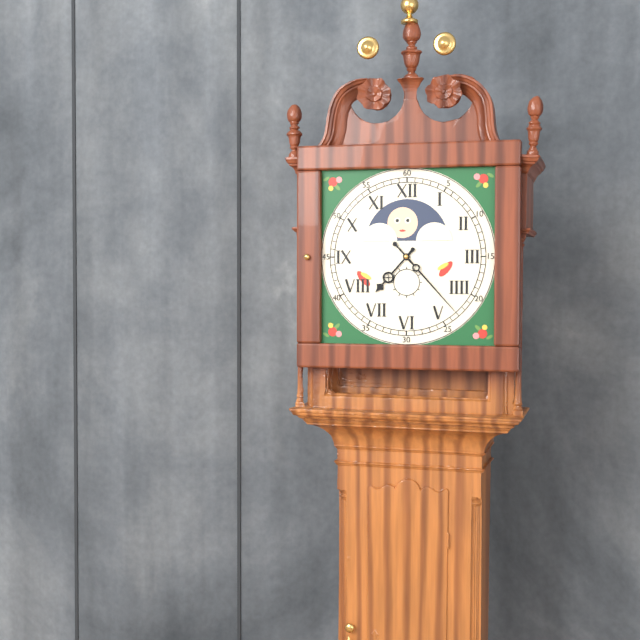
7:23
